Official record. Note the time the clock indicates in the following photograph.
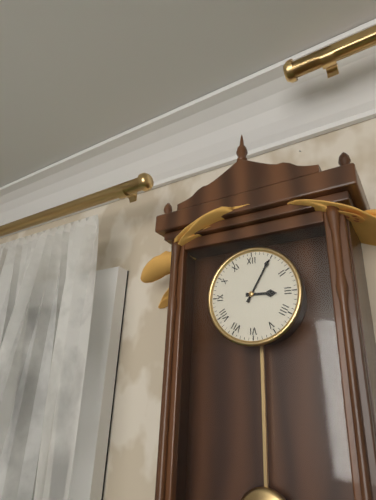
3:05
